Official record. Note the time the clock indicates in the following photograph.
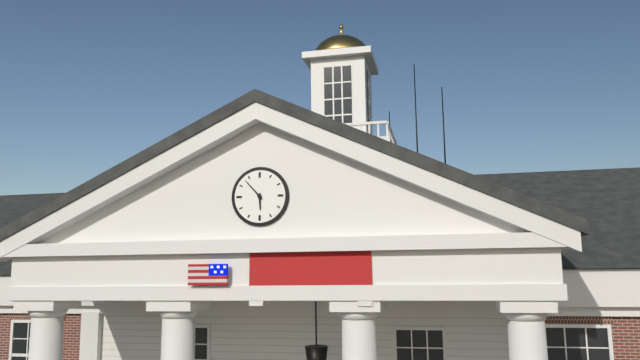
5:53
